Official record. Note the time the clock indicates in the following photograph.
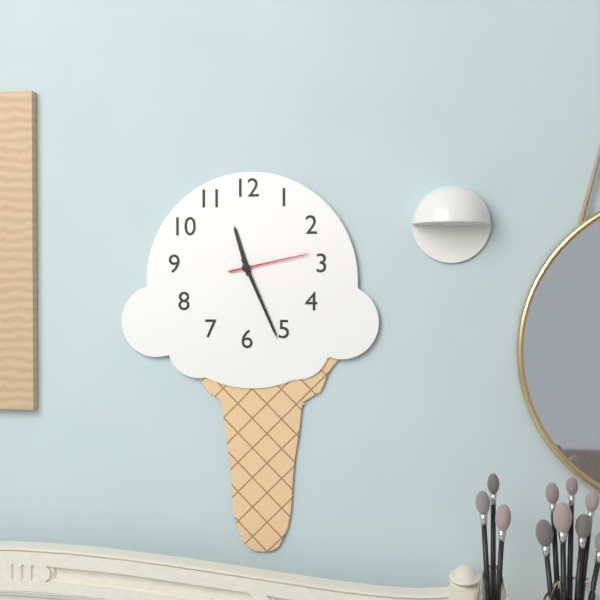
11:26:13
